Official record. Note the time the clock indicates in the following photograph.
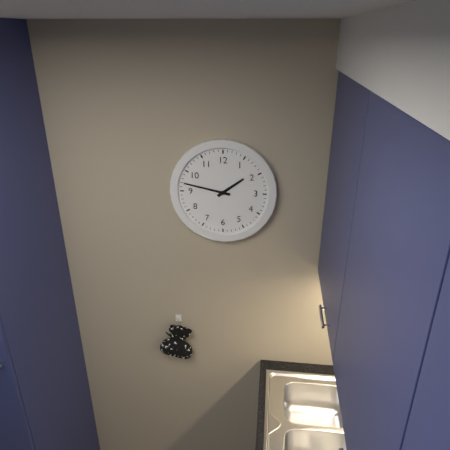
1:47
